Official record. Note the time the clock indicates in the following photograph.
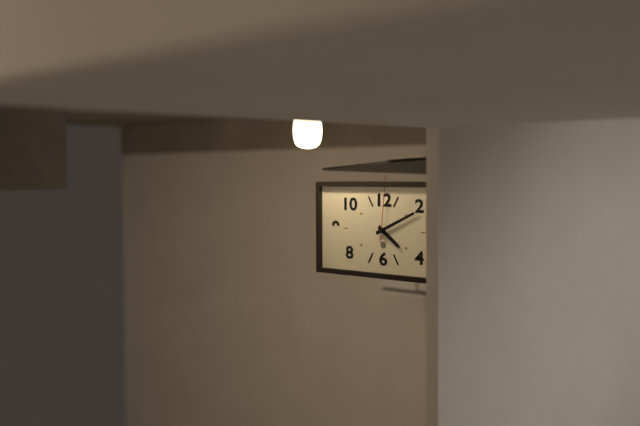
4:11:01
